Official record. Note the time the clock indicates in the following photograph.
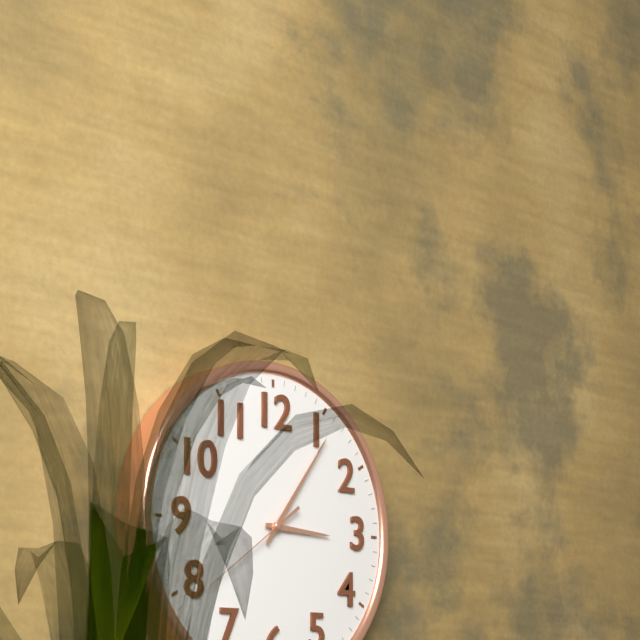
3:06
